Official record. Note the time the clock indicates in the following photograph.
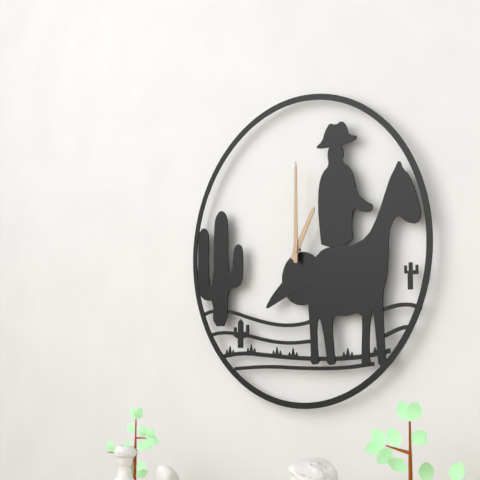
1:00
